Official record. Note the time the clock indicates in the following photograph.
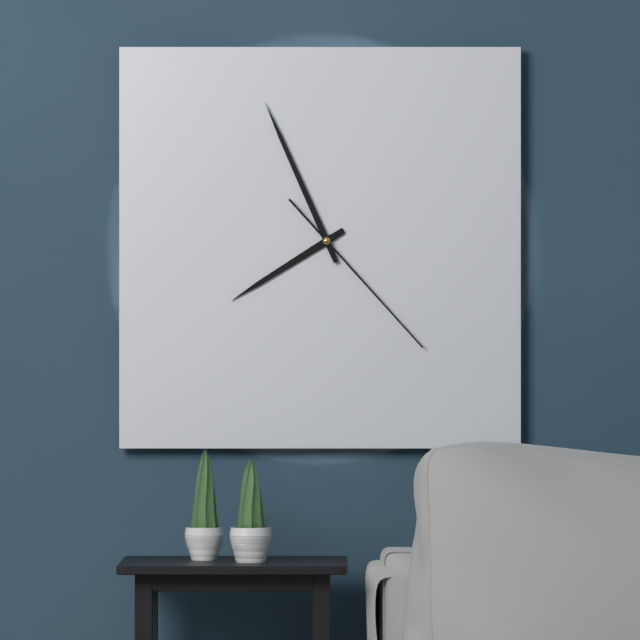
7:56:23
